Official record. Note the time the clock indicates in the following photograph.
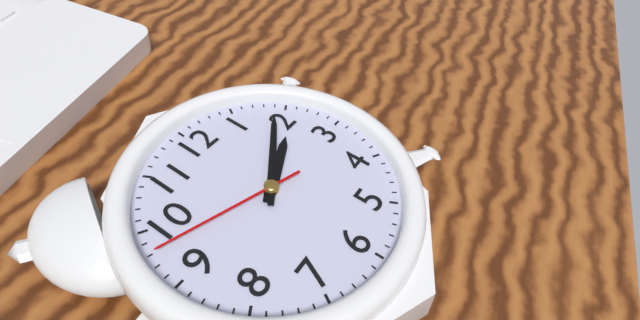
2:09:48
